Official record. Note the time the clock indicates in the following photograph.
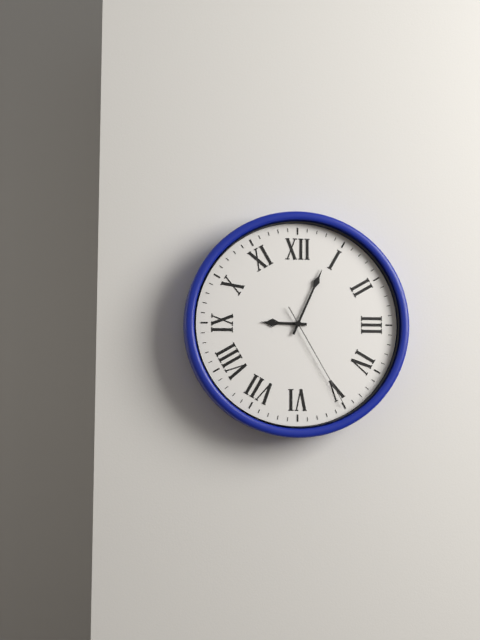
9:04:25
